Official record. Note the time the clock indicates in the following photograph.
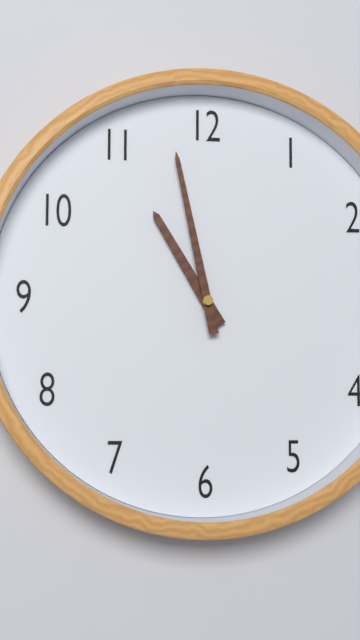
10:58
